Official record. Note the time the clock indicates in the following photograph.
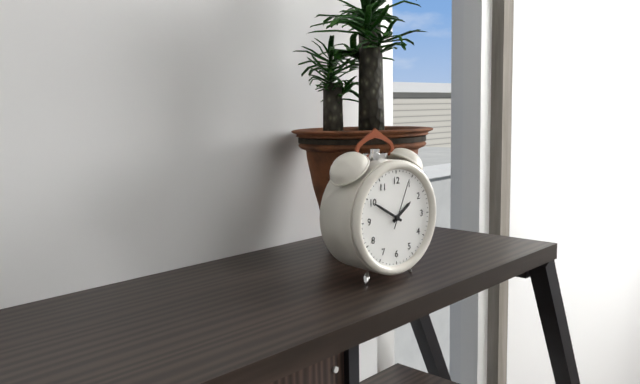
1:50:04
